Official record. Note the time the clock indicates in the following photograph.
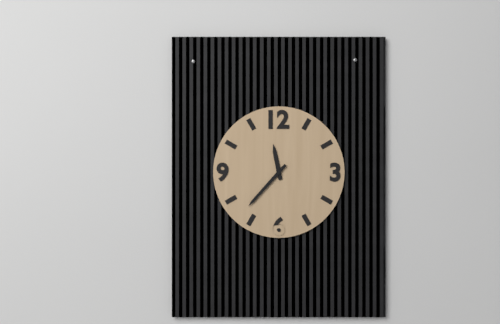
11:37
